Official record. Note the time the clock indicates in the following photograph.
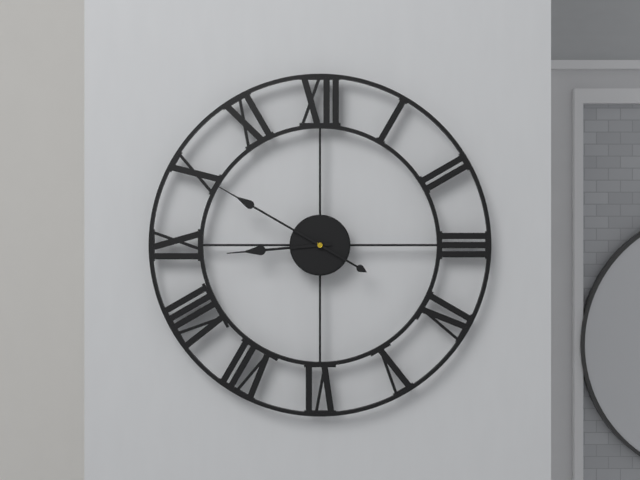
8:50
